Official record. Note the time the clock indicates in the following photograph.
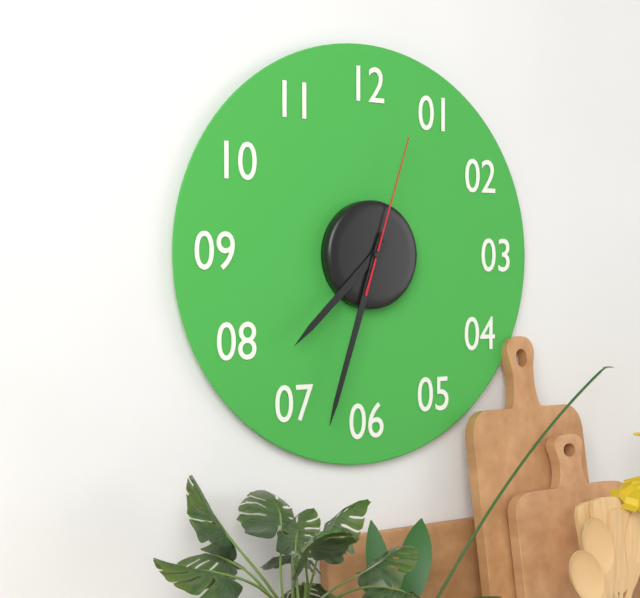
7:33:03
